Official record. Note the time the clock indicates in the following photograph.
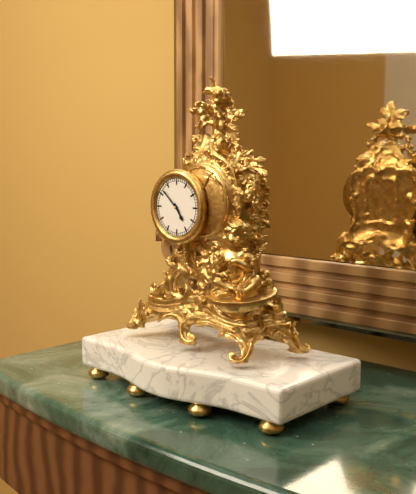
4:52
